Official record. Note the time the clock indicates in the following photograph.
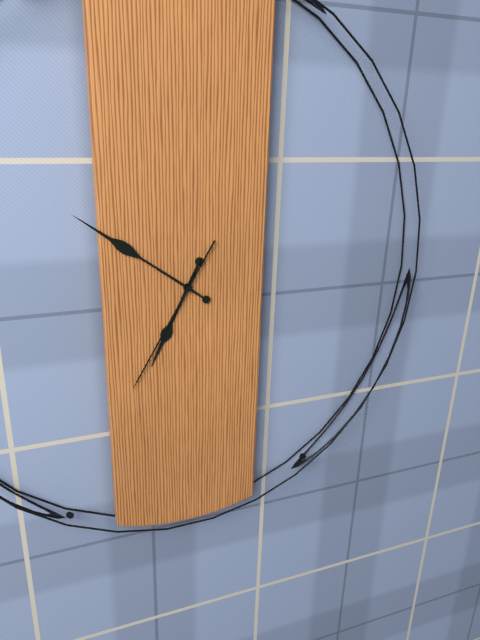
6:51:35
